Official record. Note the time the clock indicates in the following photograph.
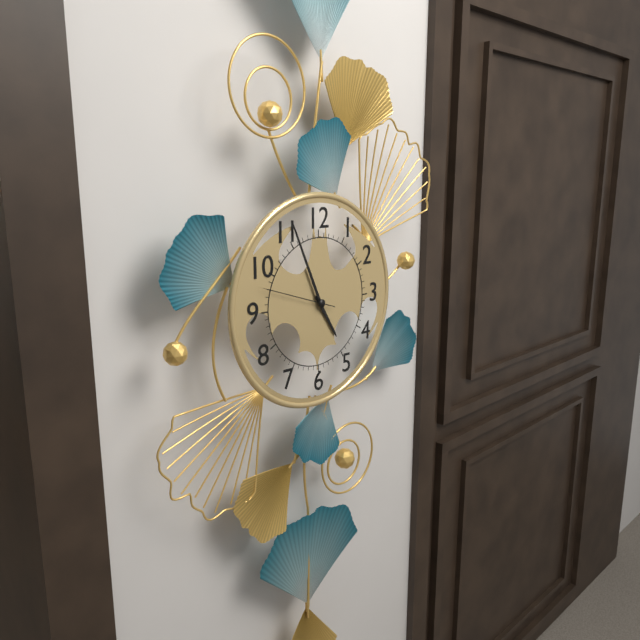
4:56:48
